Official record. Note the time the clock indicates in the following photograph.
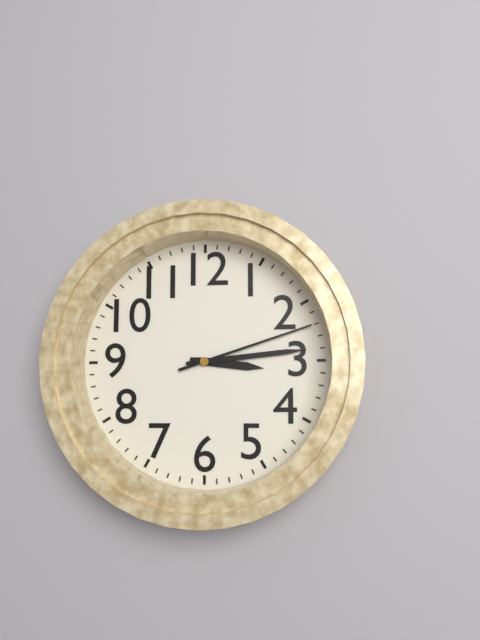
3:14:12
